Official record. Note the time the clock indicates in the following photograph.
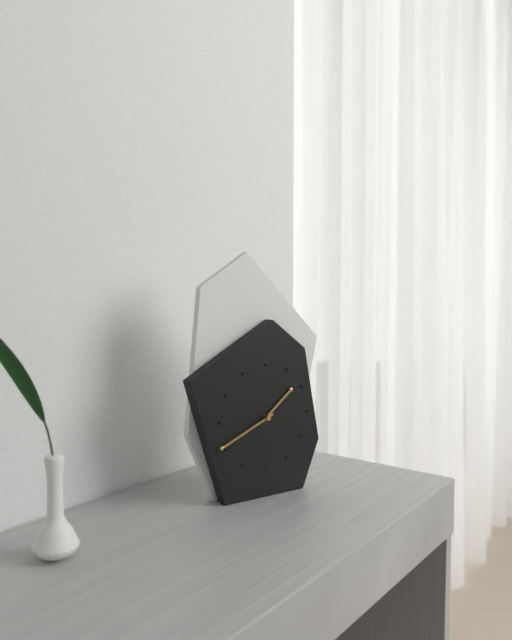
1:41
